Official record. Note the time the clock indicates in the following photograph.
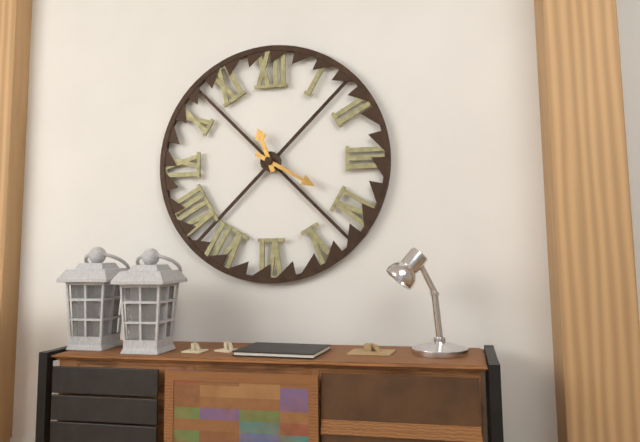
11:20
